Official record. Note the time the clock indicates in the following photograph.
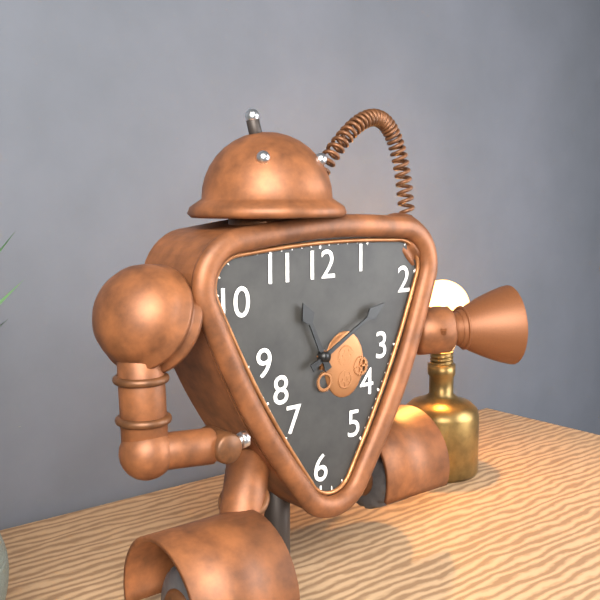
11:10
